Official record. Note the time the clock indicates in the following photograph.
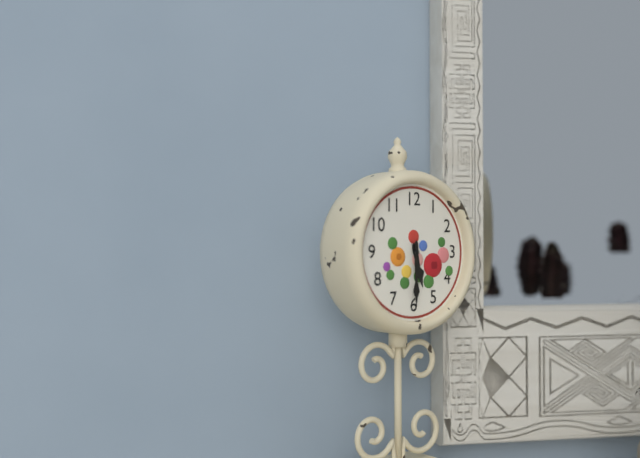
5:30
